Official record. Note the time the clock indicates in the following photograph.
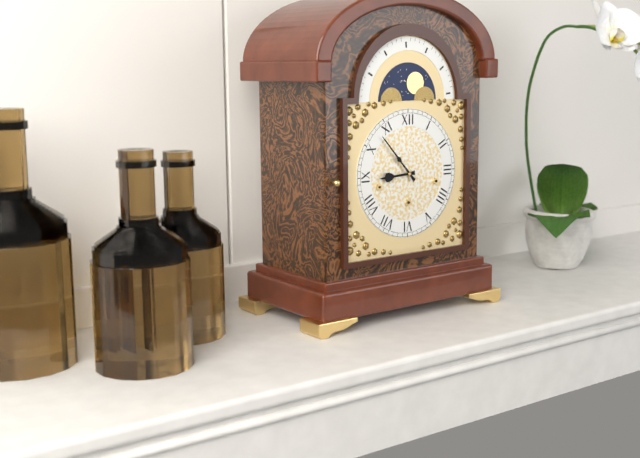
8:53
